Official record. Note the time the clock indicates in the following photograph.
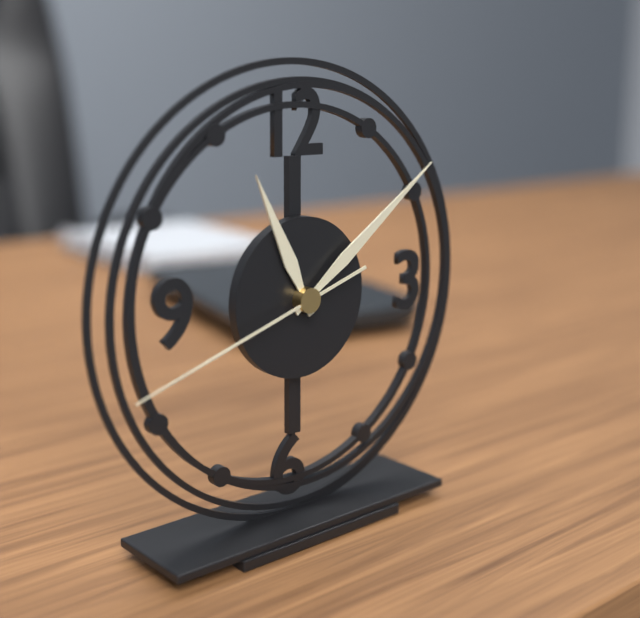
11:09:42
